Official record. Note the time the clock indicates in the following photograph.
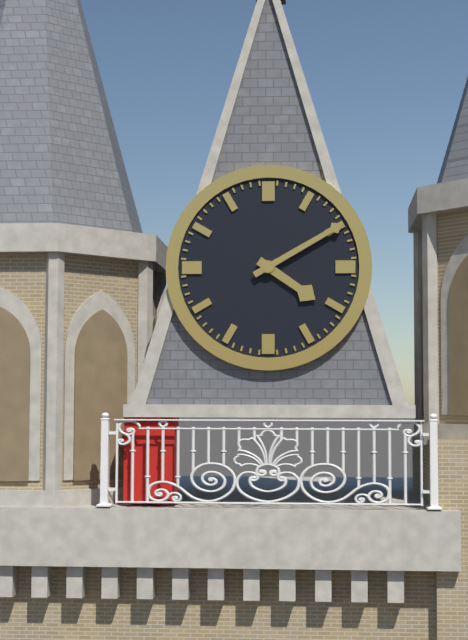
4:10
